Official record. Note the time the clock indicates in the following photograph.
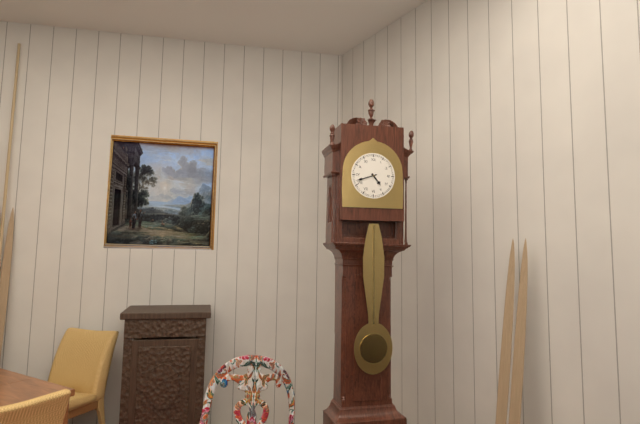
4:42
